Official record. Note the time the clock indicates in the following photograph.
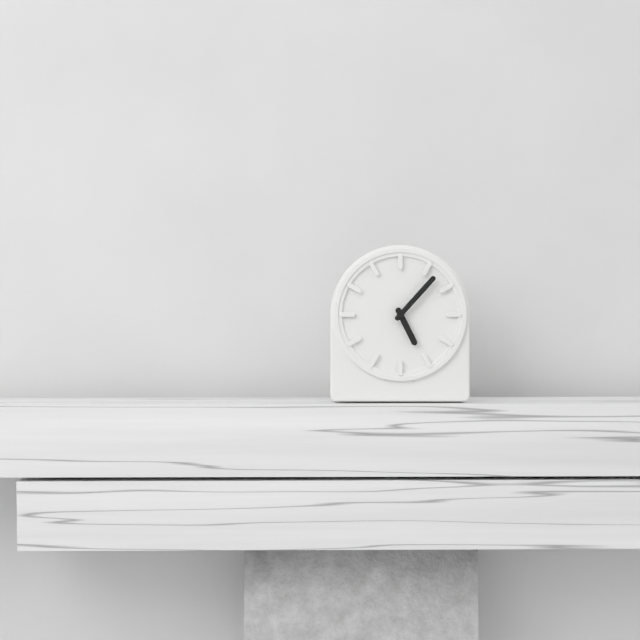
5:07
